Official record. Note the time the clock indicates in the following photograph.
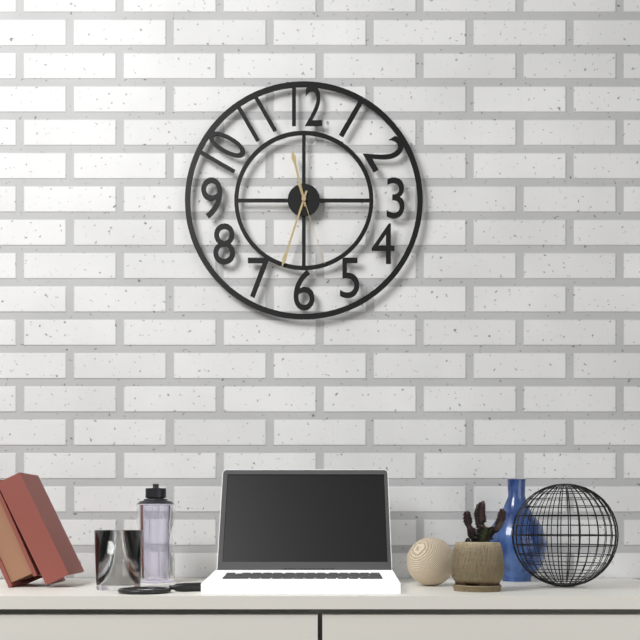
11:33:27
